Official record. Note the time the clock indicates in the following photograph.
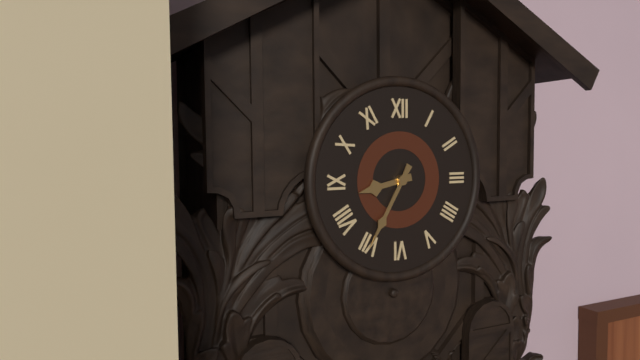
8:35
